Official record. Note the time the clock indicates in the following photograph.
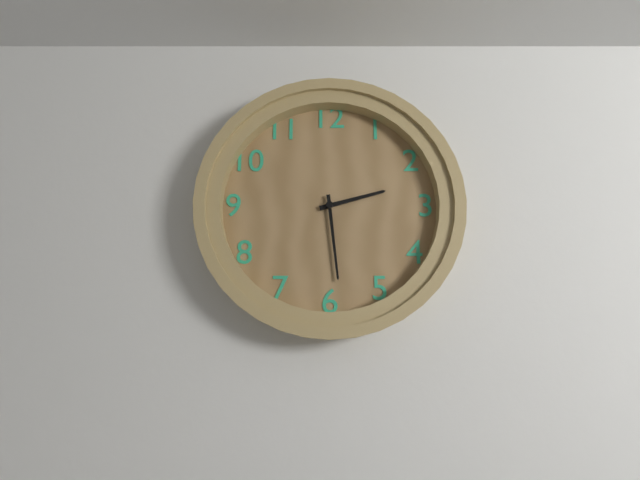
2:29
